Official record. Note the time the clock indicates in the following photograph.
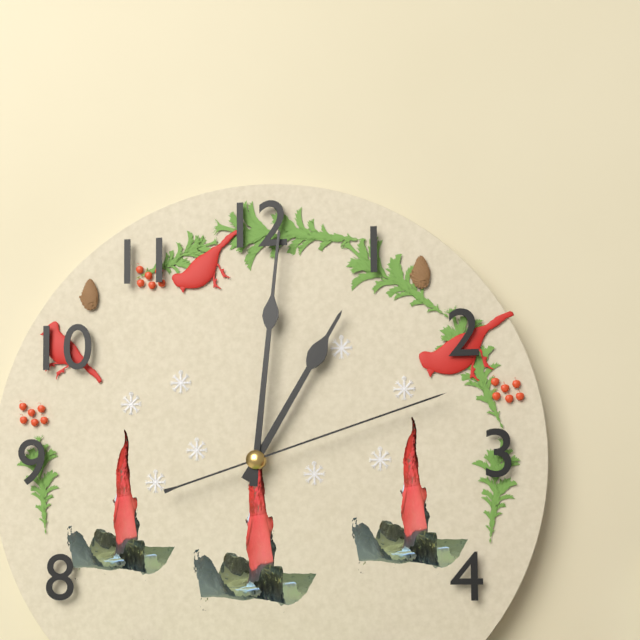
1:01:12
